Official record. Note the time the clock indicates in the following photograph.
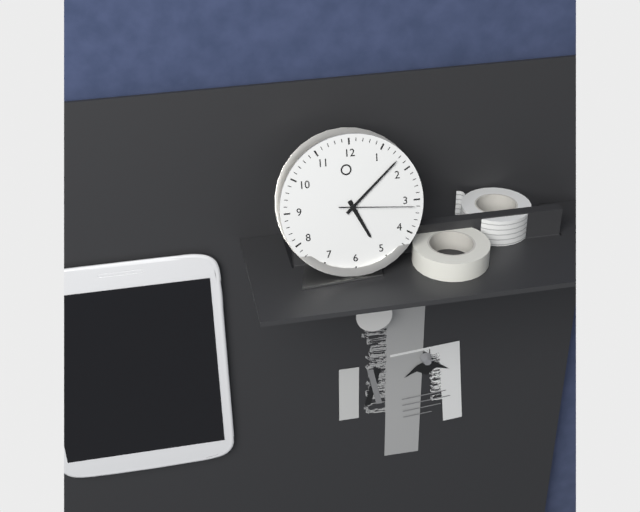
5:08:16
